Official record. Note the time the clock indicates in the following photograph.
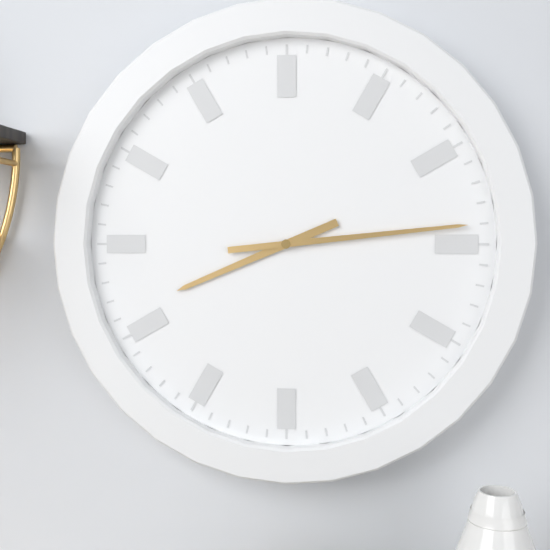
8:14
